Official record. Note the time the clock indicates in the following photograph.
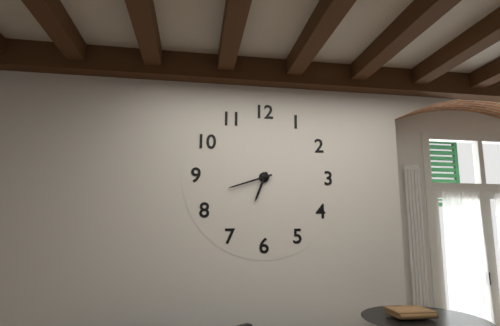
6:42
